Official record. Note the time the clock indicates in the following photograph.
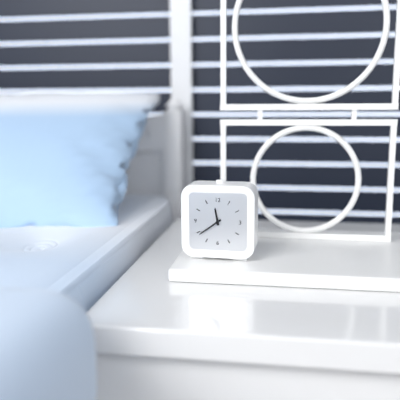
11:39
